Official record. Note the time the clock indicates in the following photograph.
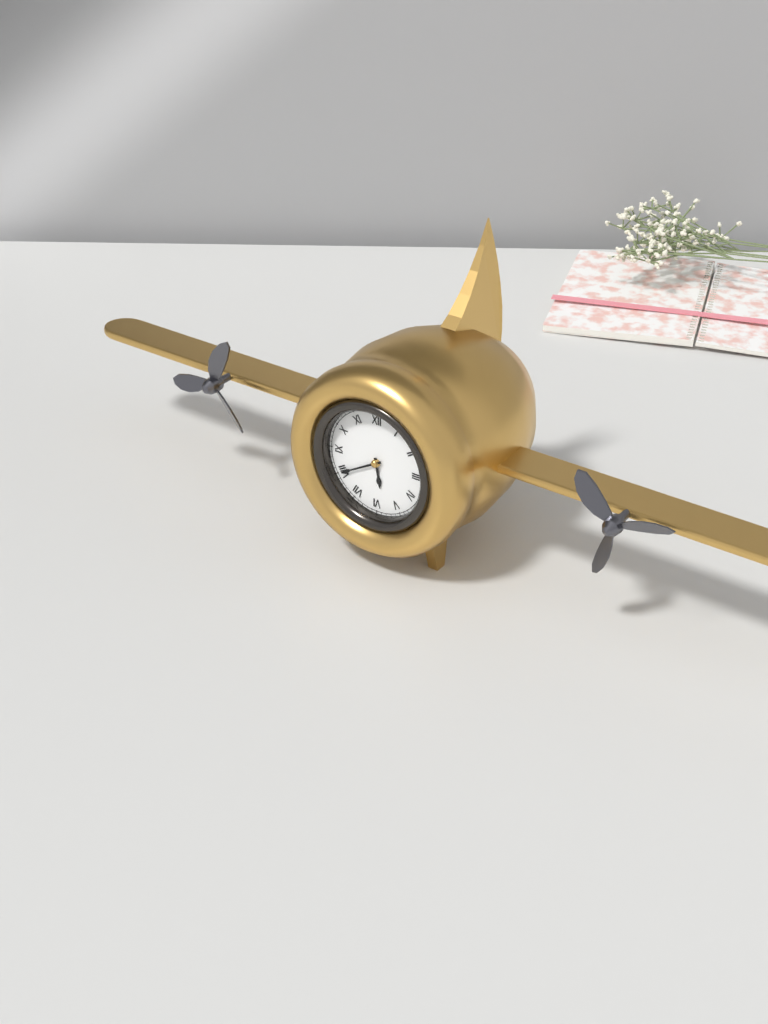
5:40
